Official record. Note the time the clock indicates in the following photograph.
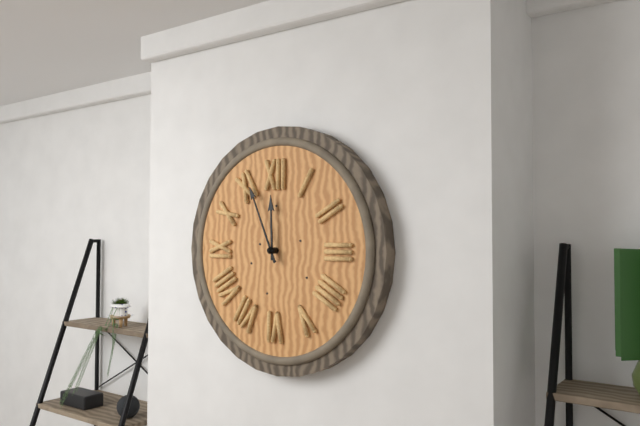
11:56
